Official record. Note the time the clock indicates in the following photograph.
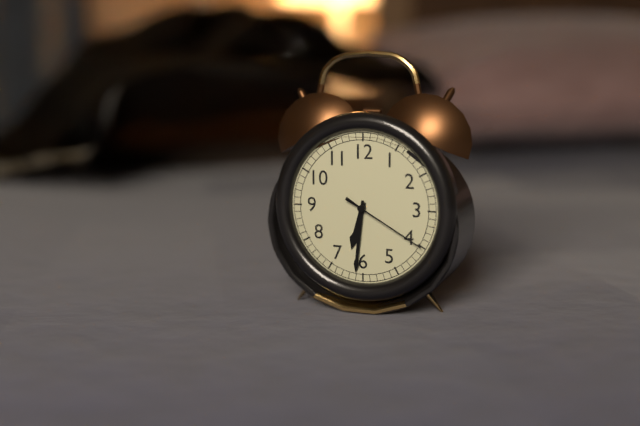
6:31:20
